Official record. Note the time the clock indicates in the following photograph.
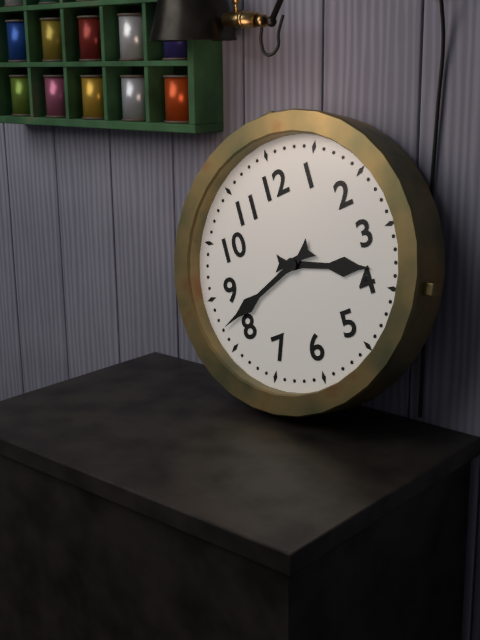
3:42
